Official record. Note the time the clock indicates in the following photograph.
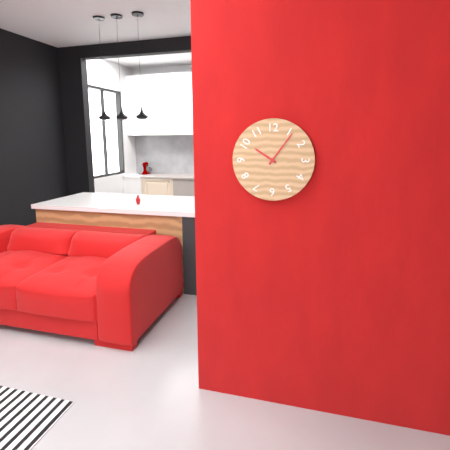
10:06
